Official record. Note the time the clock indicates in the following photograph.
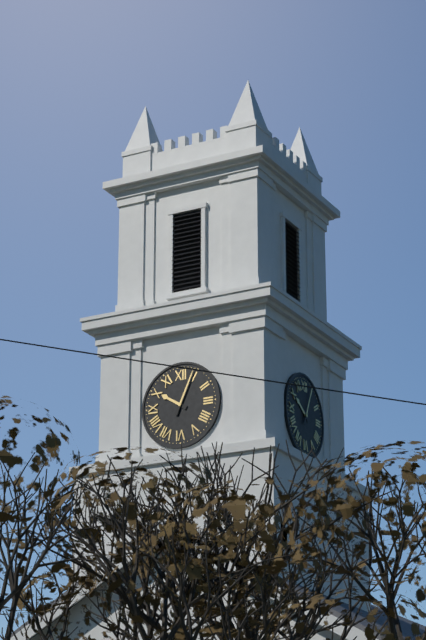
10:04
